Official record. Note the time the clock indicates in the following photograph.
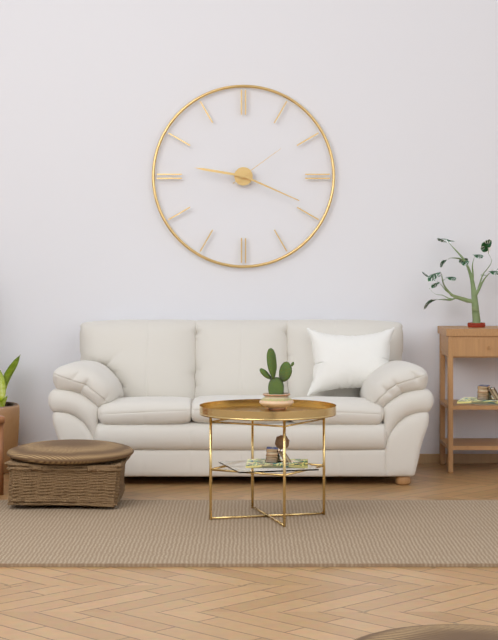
9:19:09
